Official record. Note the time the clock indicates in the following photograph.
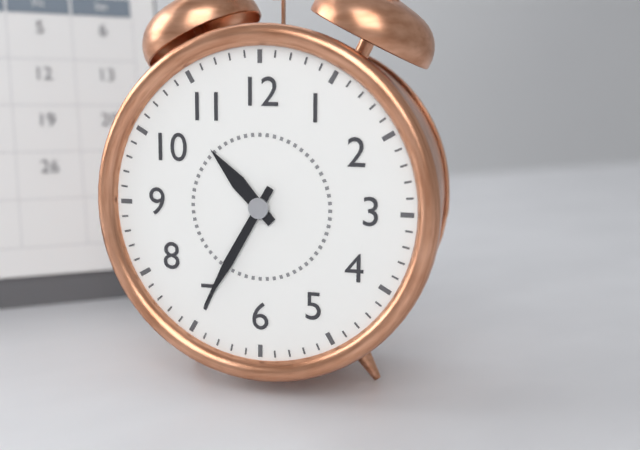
10:35
